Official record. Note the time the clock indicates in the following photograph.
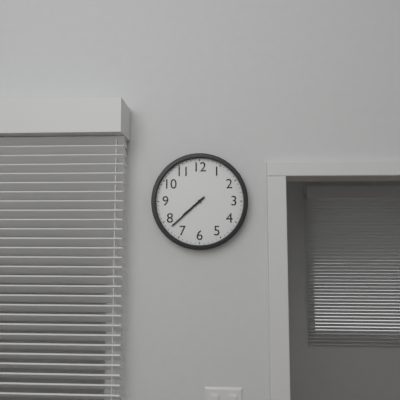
7:38
